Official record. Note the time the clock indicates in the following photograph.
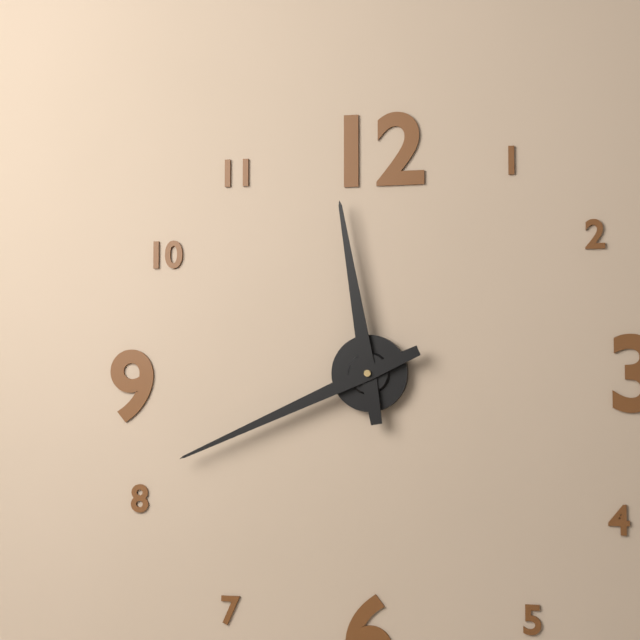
11:41
